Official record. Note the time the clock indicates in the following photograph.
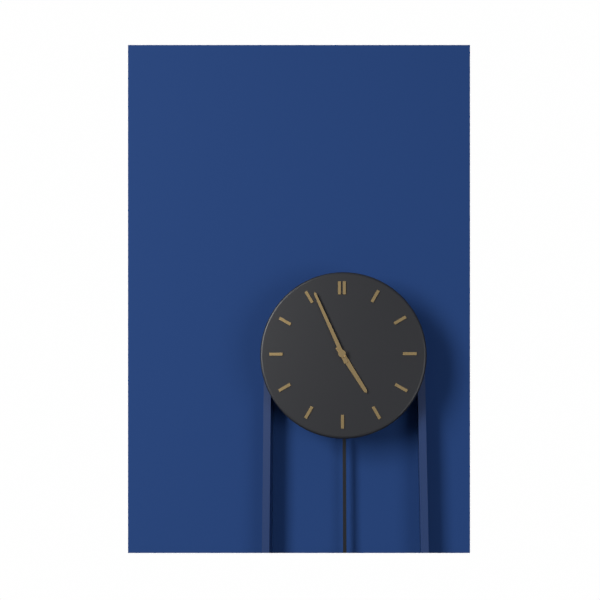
4:56
